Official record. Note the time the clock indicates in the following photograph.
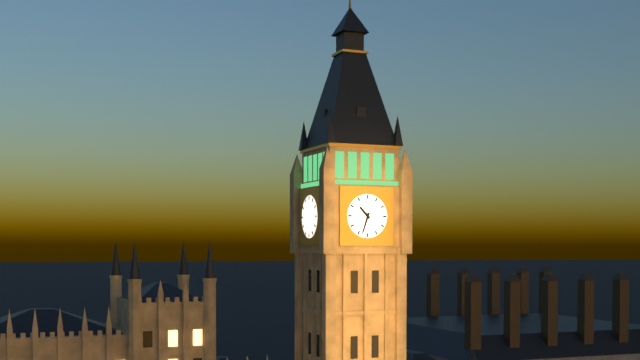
10:33
